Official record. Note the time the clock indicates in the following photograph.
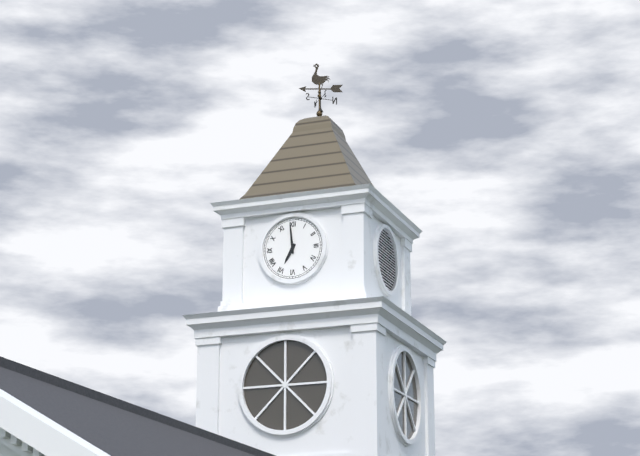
6:59
